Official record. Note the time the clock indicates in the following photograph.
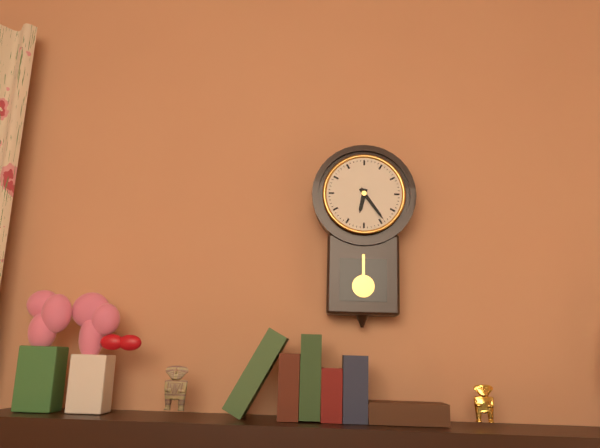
6:24
